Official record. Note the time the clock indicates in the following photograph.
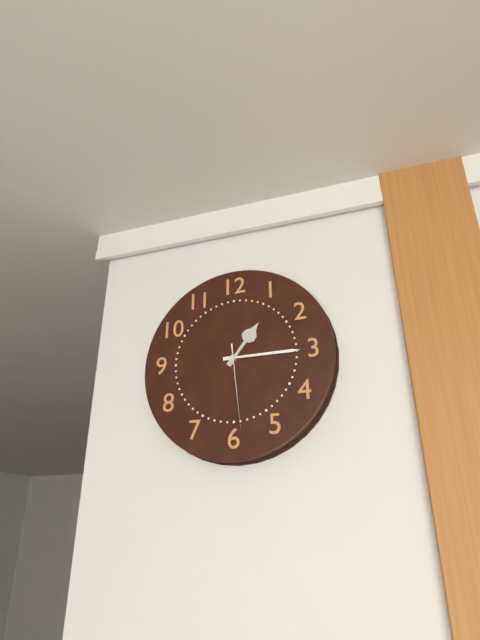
1:15:29
